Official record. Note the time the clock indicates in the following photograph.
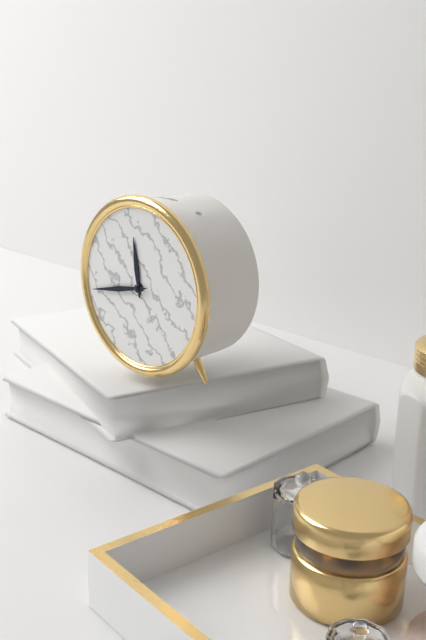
11:43
